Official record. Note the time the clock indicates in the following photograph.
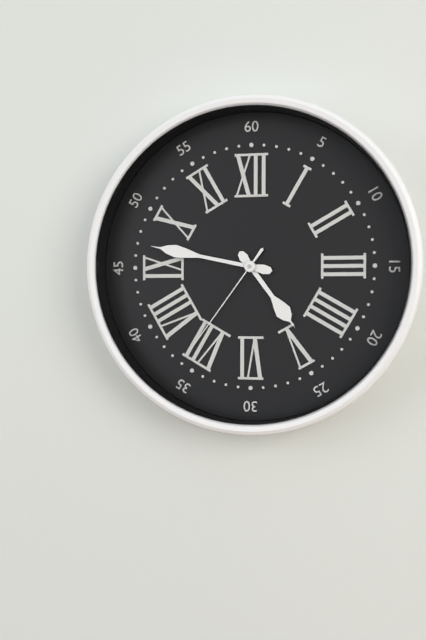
4:47:36
